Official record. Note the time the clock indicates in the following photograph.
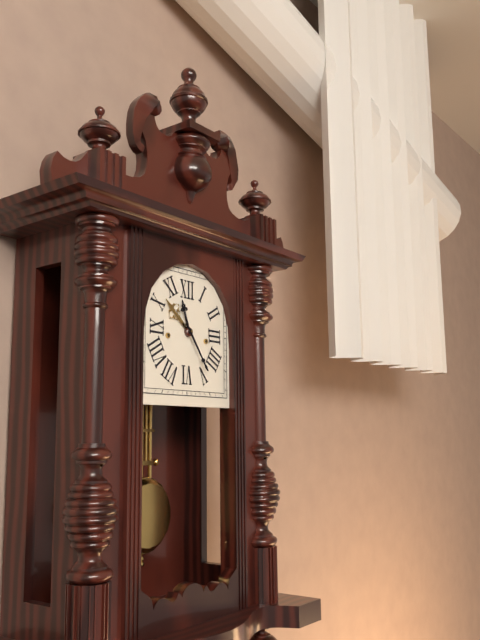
11:24
